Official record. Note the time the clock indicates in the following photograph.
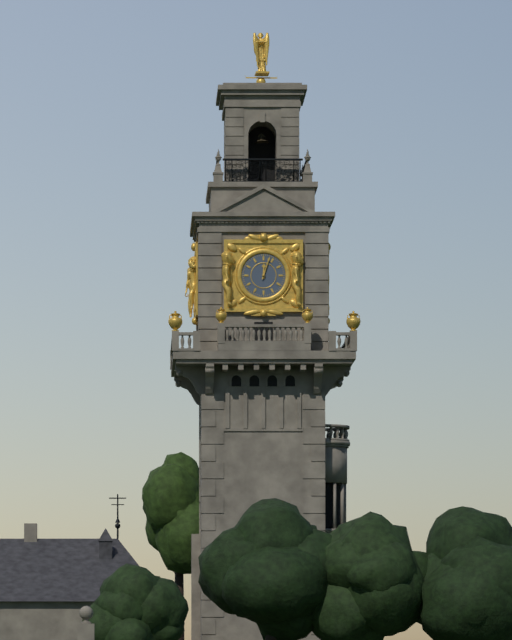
12:03
